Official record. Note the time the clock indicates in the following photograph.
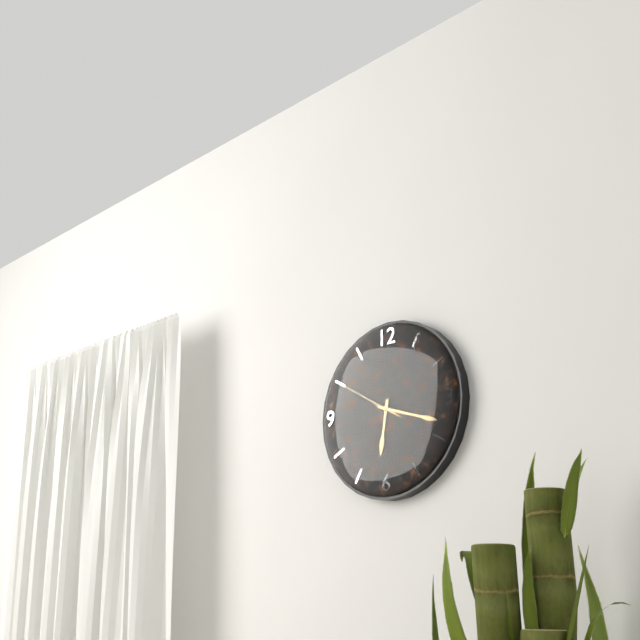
6:18:50
